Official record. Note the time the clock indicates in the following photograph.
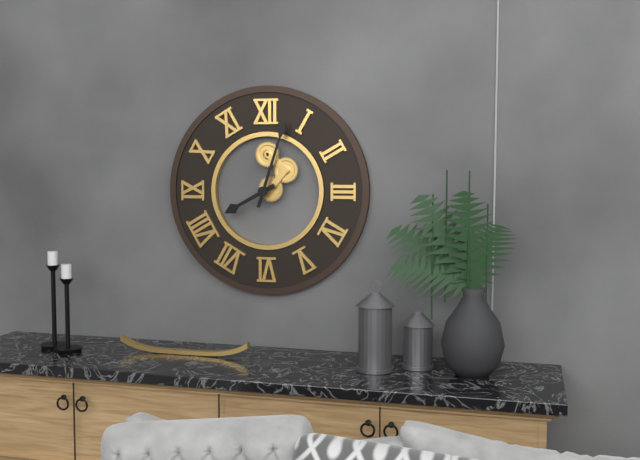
8:03
